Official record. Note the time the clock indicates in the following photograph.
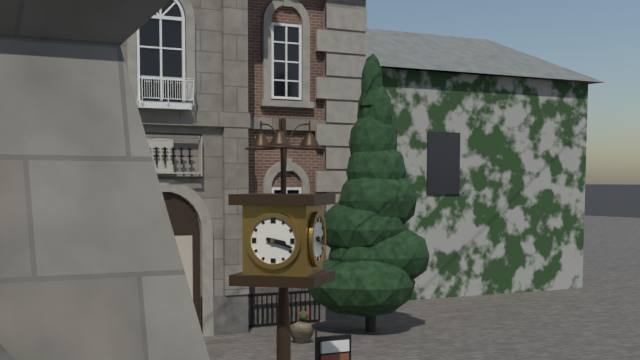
3:18
